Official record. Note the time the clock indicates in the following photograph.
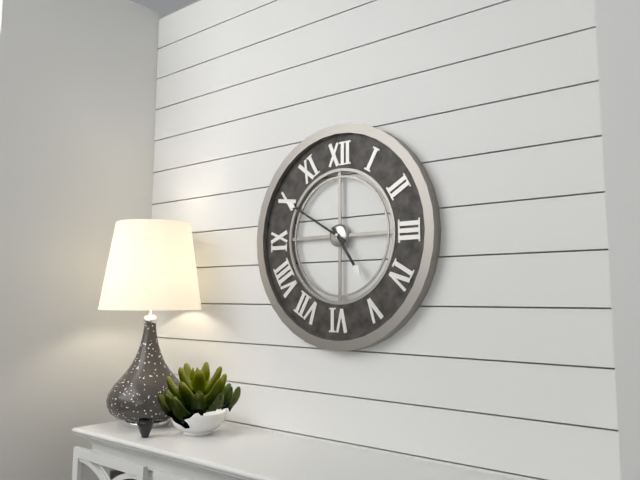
4:50
